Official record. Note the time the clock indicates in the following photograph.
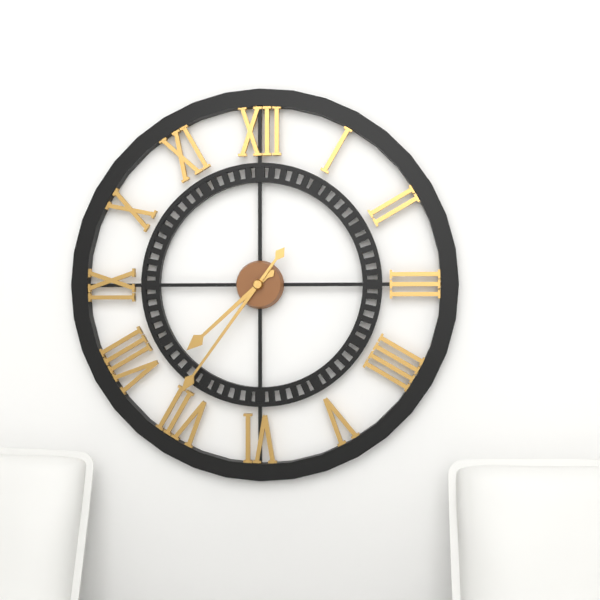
7:36
